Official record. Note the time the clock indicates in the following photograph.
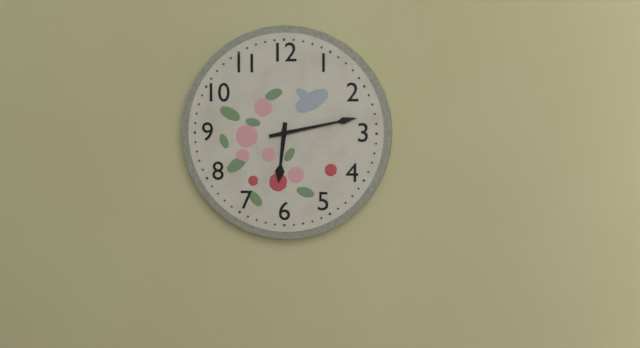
6:13
